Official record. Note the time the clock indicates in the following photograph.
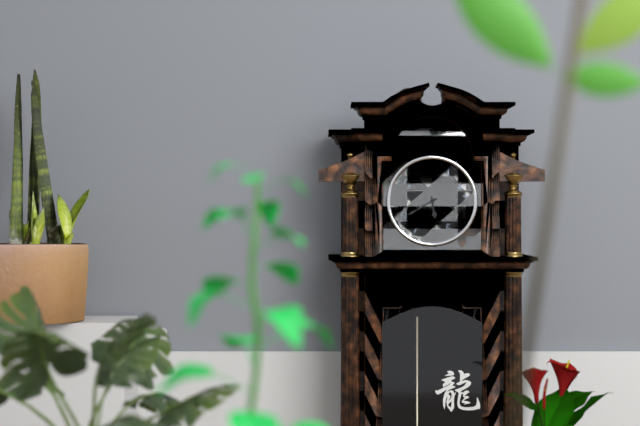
5:40
